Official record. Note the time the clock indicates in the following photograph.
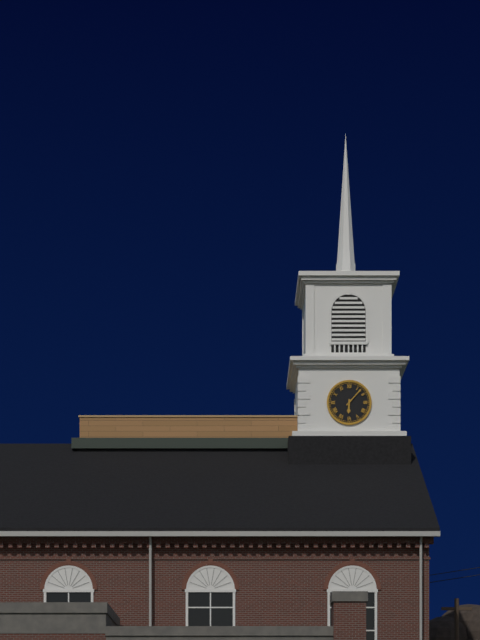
6:07
